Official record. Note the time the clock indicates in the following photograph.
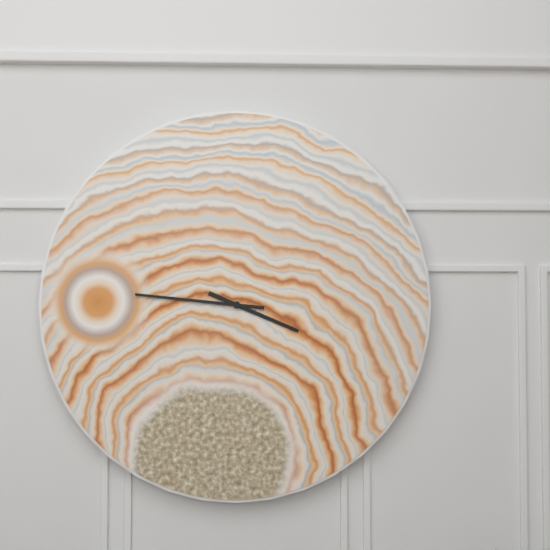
3:46
